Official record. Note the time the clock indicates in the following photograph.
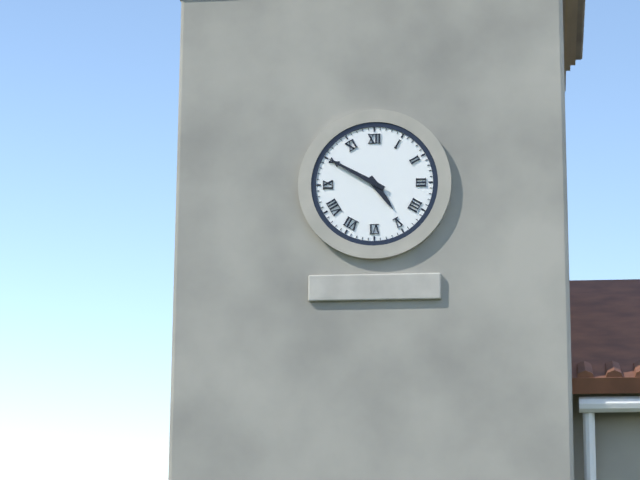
4:50
